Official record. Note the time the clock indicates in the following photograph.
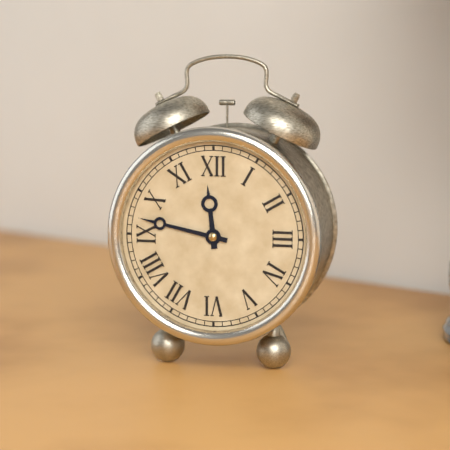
11:47
